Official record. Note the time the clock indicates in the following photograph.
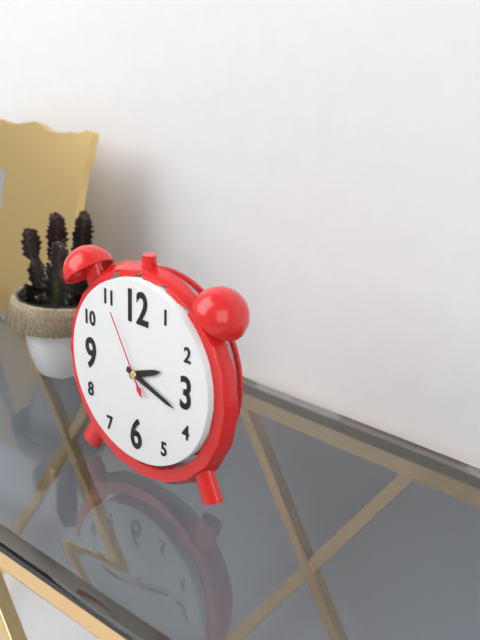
2:18:55
